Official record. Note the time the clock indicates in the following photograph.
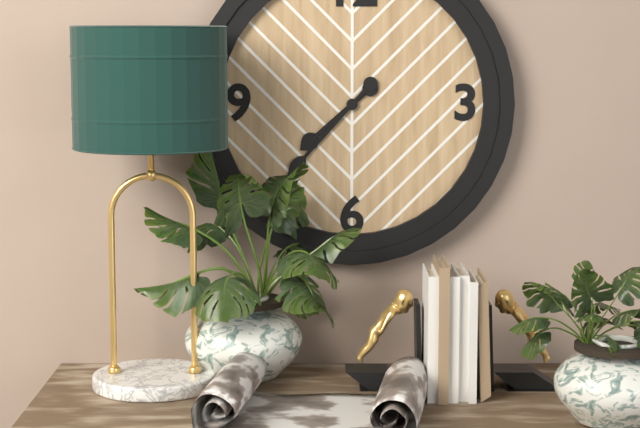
7:37
